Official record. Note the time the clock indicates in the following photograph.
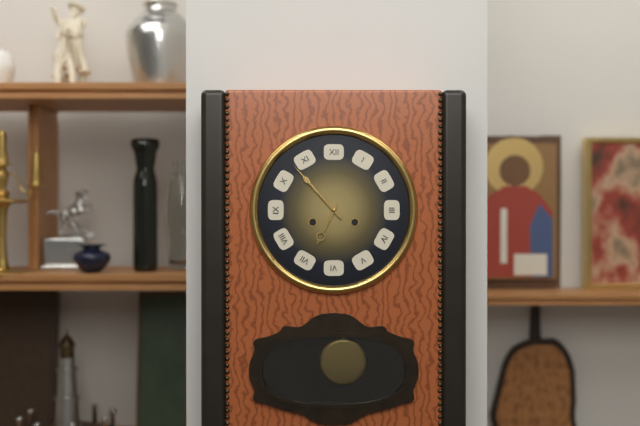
6:53
